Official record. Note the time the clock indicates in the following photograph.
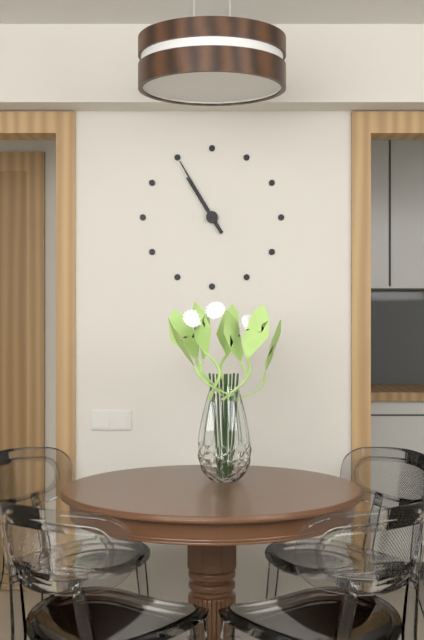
10:55
